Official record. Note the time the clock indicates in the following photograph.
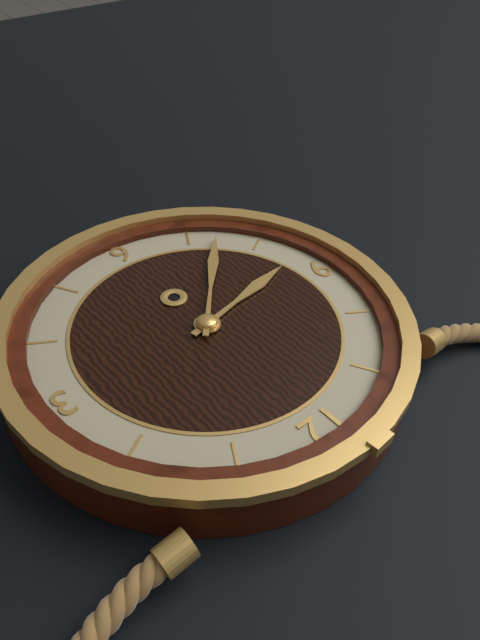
8:37
